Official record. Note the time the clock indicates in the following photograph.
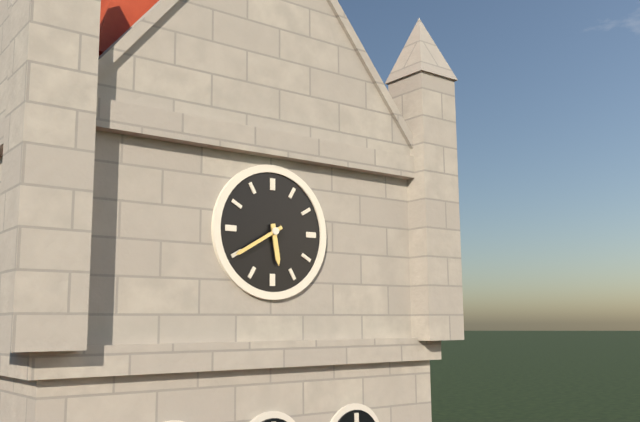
5:40
